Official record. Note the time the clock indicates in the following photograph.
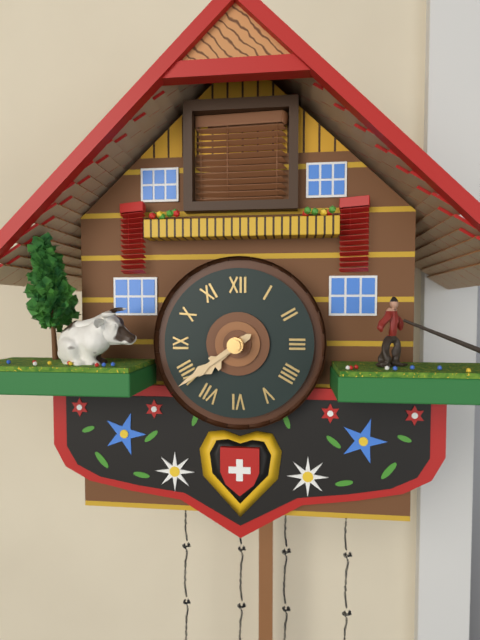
7:39
